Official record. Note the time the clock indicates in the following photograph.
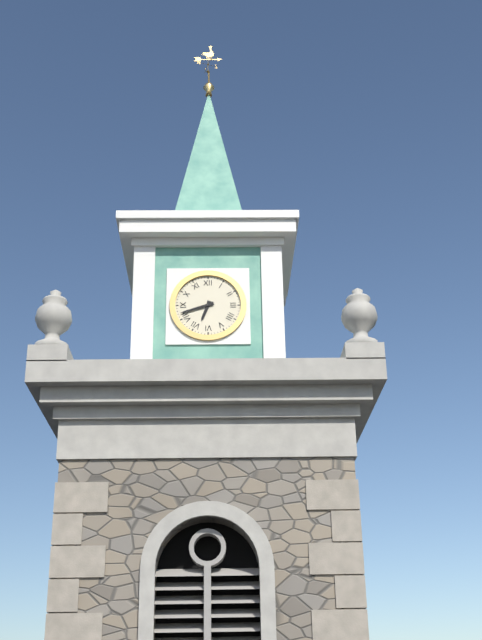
6:42
